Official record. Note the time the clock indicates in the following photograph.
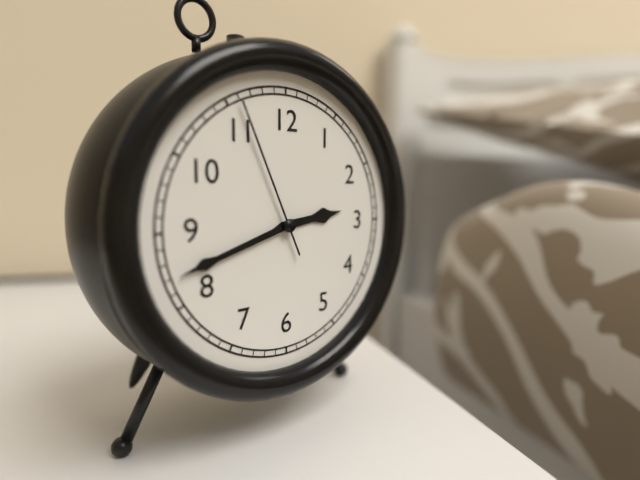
2:42:56
